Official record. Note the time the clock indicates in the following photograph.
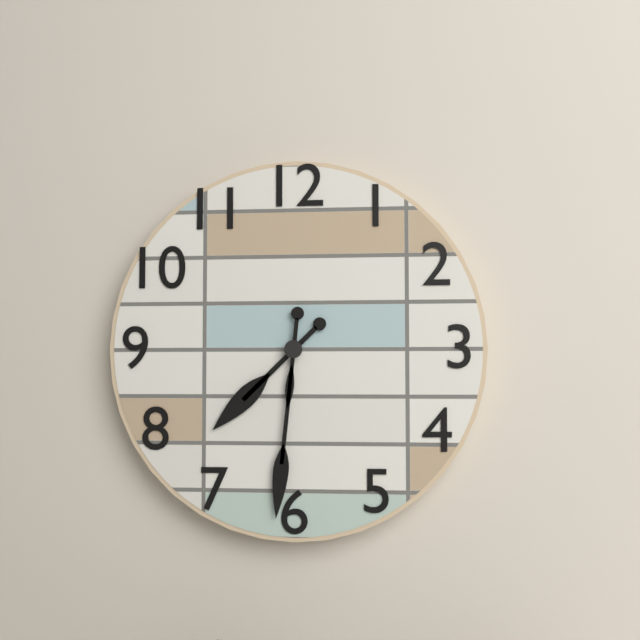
7:31
